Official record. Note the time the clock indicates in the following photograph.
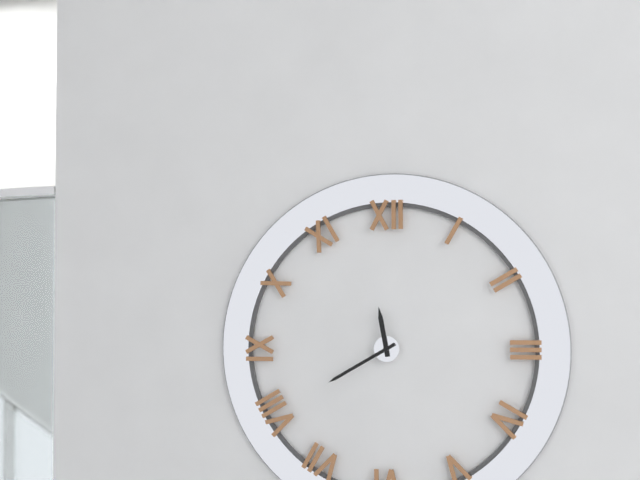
11:40
